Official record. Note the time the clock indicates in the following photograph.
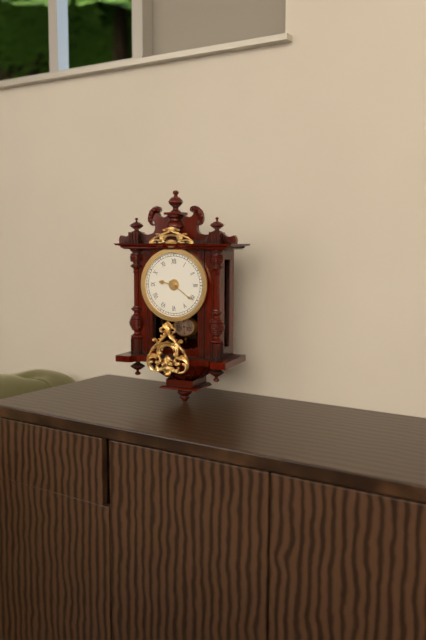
9:21
